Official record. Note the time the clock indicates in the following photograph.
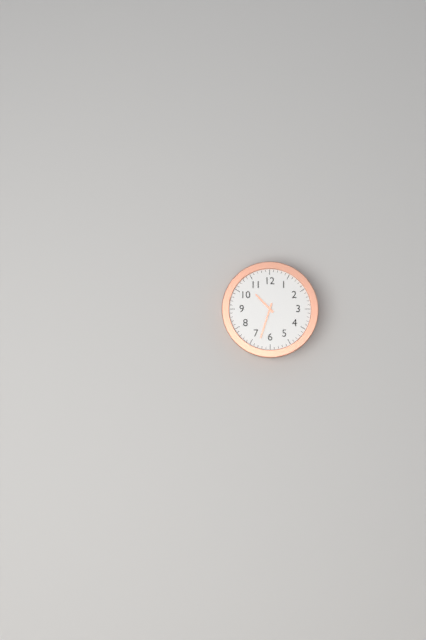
10:33
